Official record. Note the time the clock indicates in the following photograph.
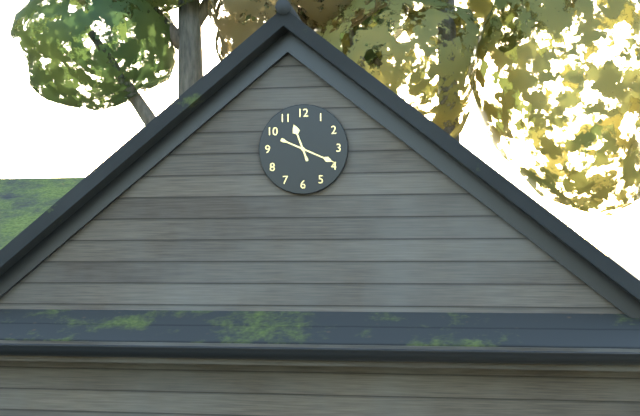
11:19
